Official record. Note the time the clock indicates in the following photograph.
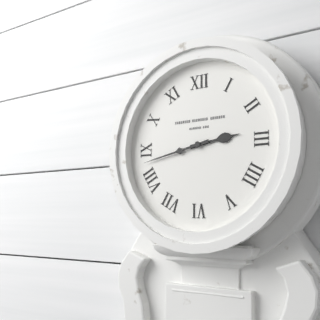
2:43
